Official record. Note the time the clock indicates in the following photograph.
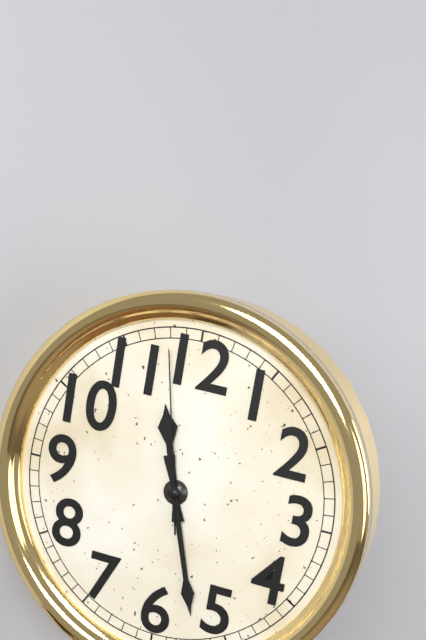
11:27:58
